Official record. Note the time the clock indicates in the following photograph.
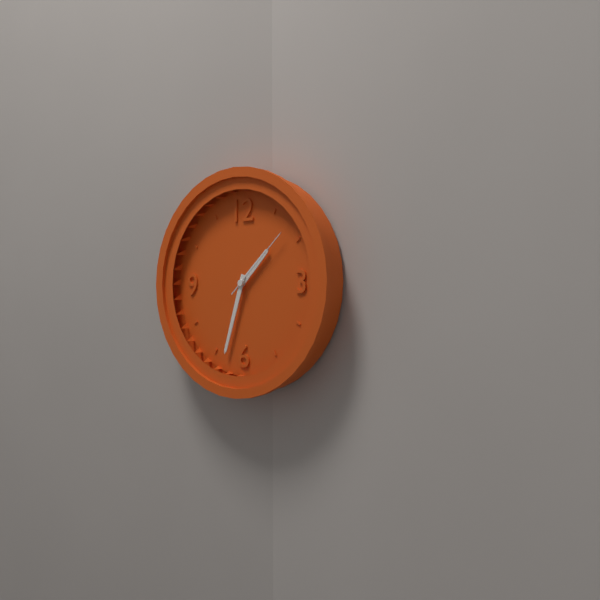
1:33:08
